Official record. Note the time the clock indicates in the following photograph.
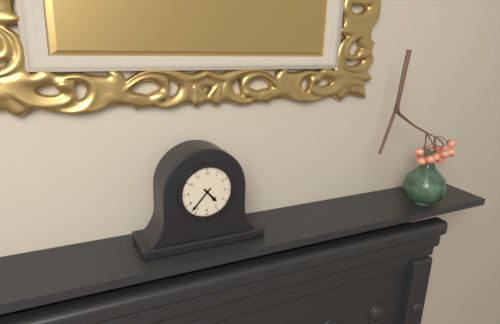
4:37
